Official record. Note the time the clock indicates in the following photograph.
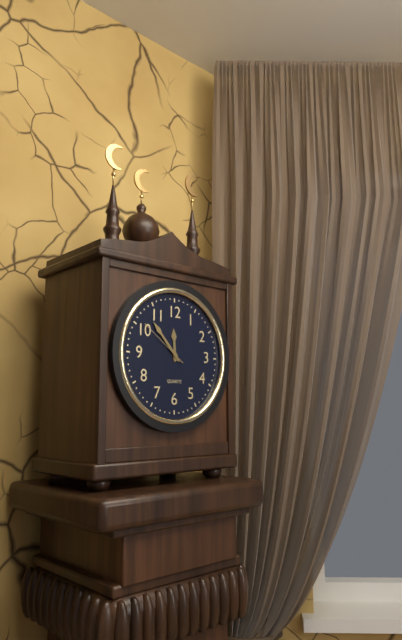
11:53:51
